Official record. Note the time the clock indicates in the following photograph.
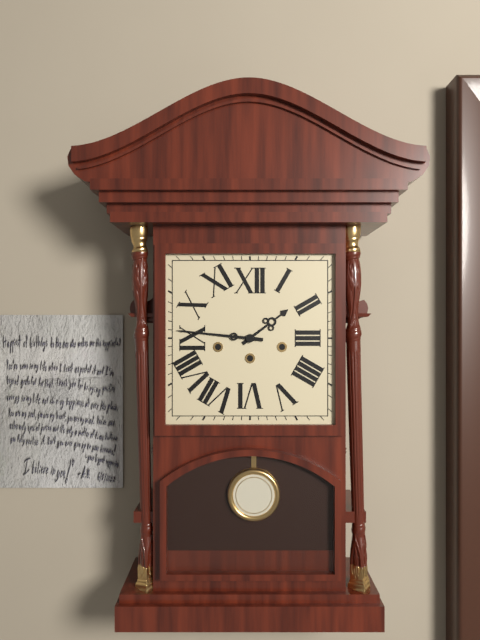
1:46
